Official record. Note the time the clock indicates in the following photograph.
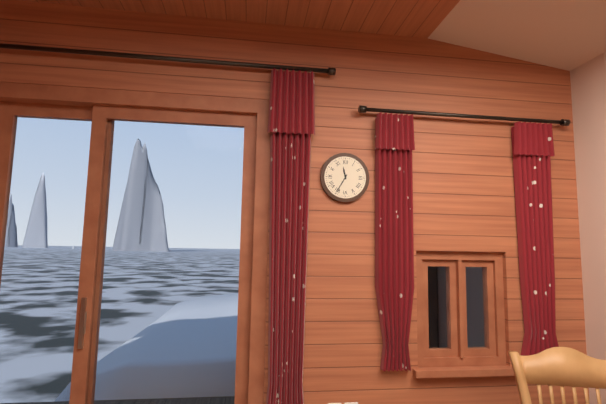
11:35
